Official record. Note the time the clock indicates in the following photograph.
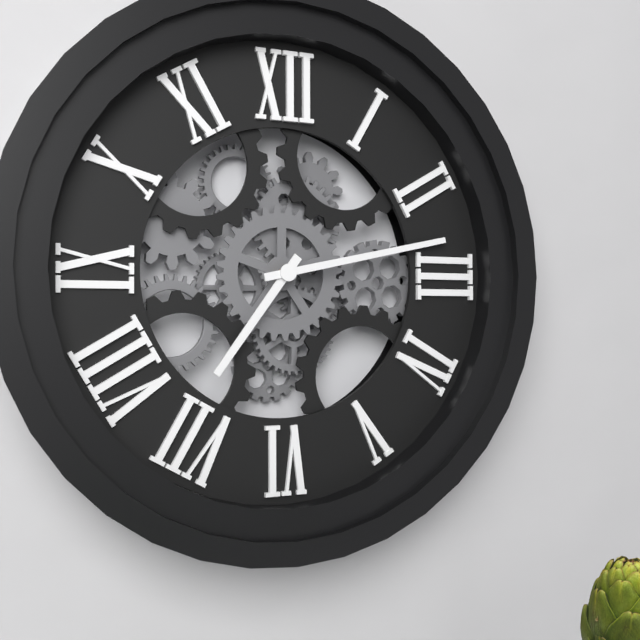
7:13
